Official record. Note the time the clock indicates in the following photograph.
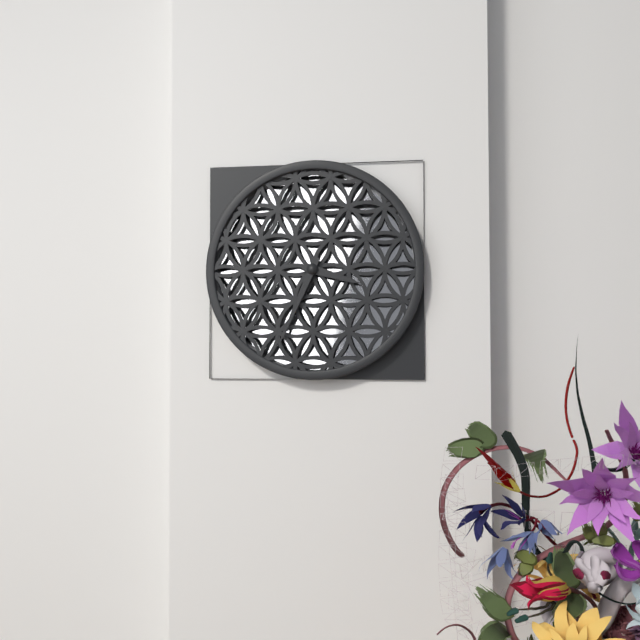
3:34
